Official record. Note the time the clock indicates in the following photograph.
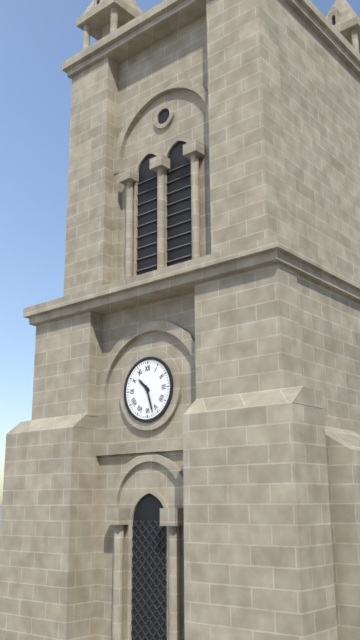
10:27
